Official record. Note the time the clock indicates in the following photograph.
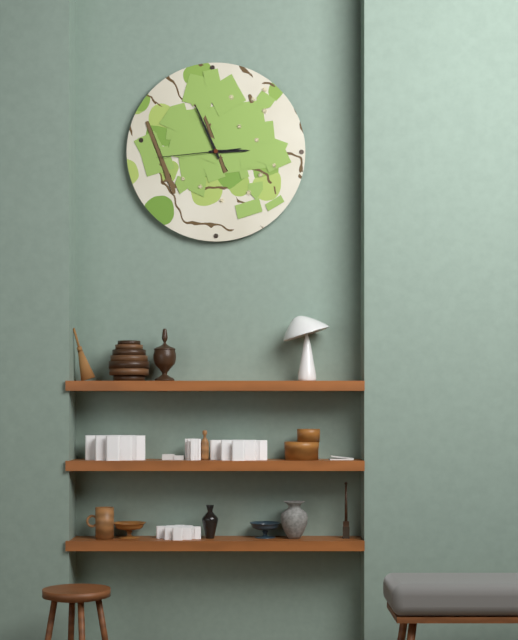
2:56:44
